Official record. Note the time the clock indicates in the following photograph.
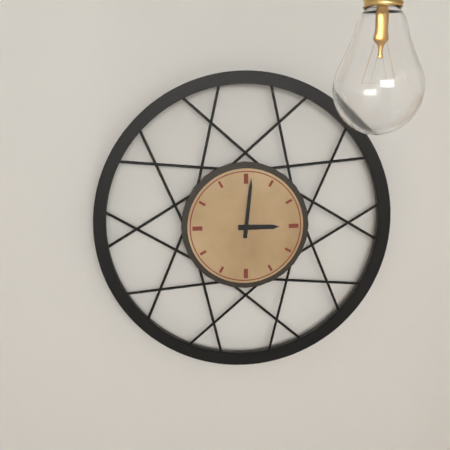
3:01
